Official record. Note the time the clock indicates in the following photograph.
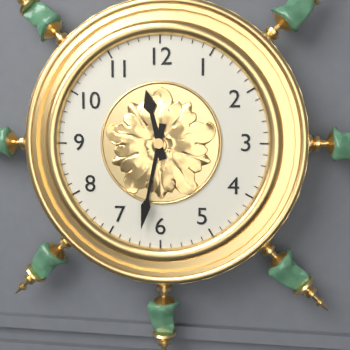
11:32
